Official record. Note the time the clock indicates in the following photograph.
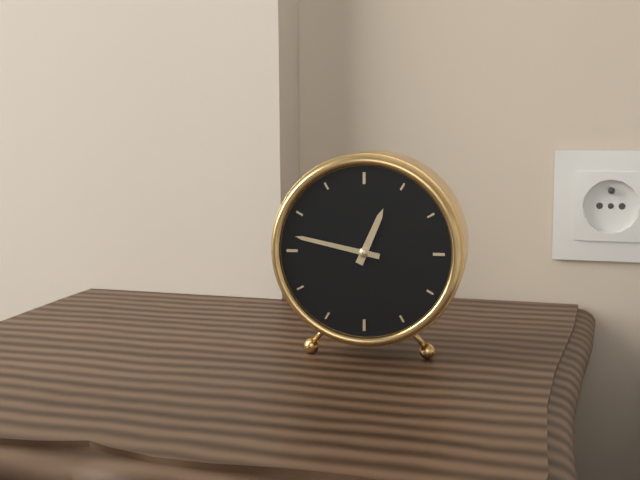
12:47
